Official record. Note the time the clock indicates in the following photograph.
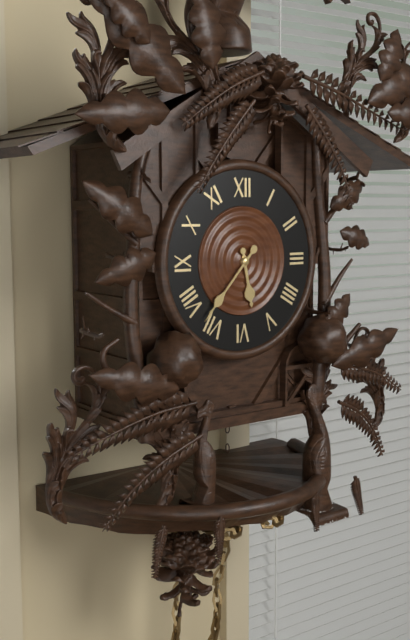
5:37
